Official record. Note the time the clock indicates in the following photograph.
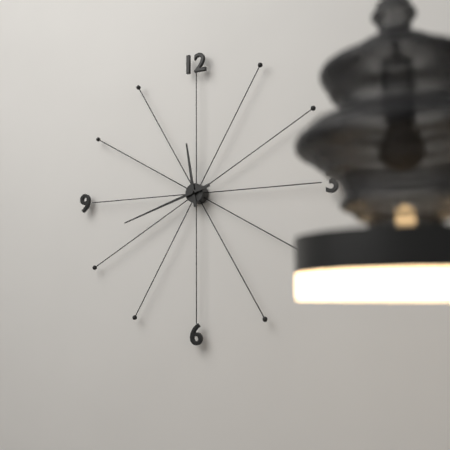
11:42
